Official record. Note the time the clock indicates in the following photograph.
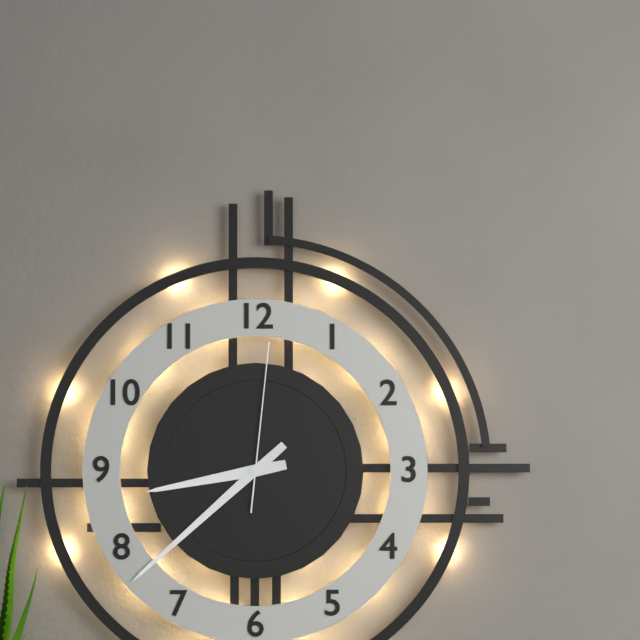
8:38:01
